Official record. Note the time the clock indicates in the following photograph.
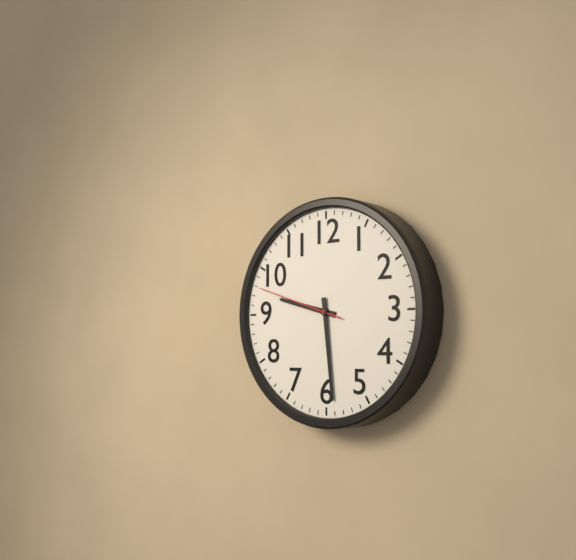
9:29:48
